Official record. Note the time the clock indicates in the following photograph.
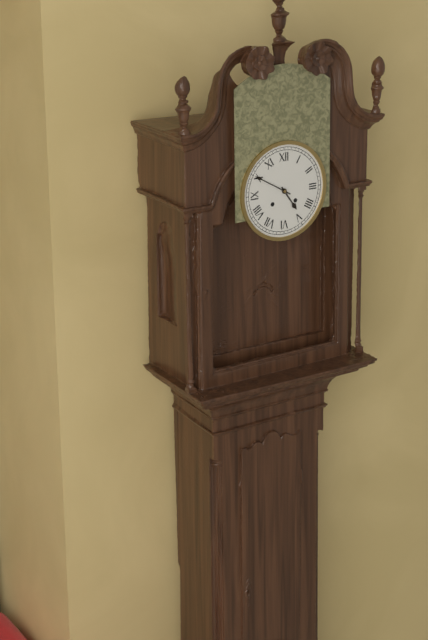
4:50
